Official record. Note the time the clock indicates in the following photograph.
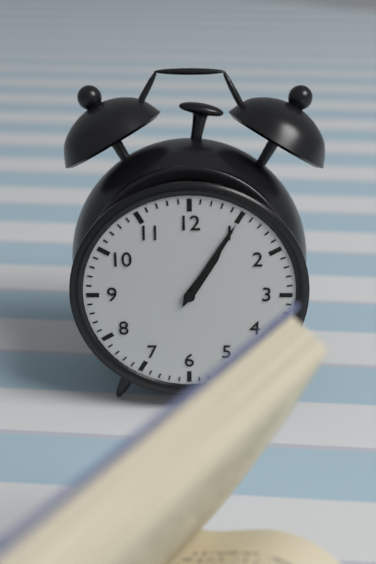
1:05
